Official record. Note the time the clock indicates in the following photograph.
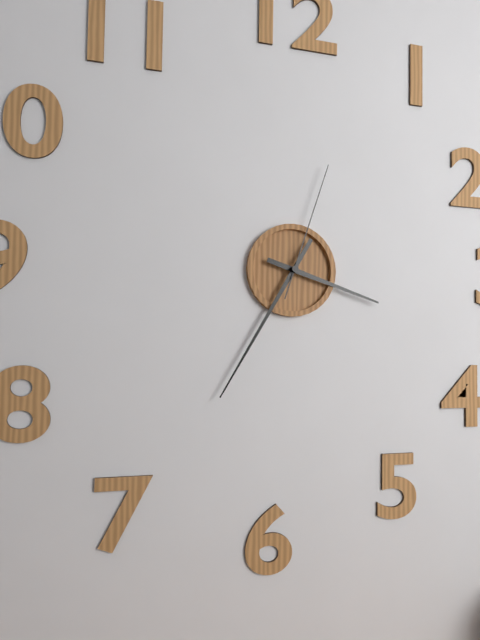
3:35:03
